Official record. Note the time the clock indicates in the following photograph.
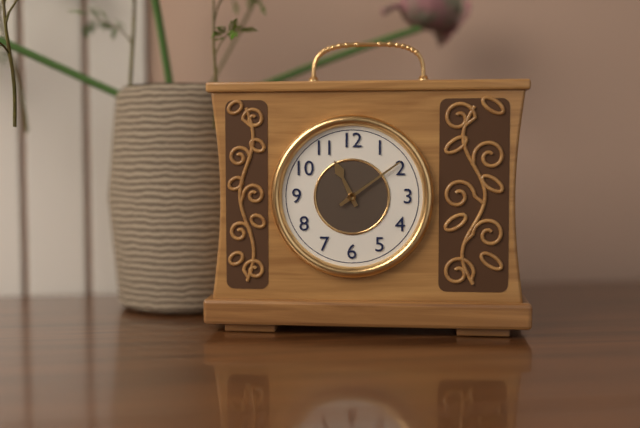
11:09
